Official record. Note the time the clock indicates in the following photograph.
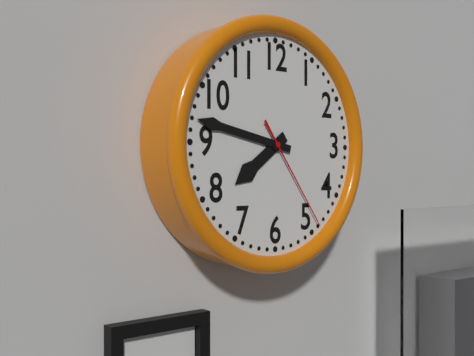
7:47:24
